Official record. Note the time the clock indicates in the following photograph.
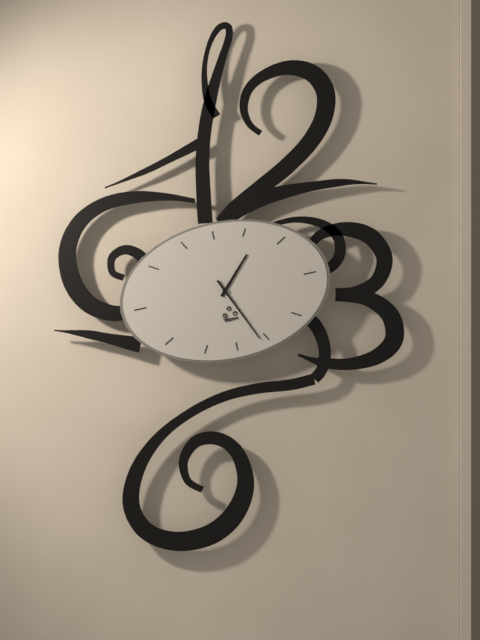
1:26
